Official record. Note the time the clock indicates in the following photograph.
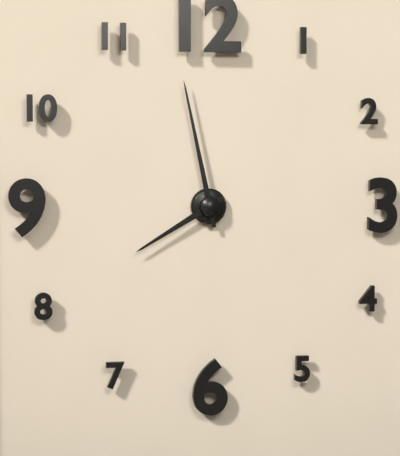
7:58
